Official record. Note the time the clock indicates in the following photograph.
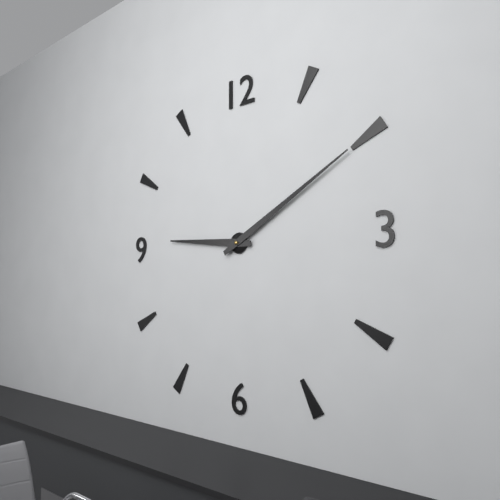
9:10
